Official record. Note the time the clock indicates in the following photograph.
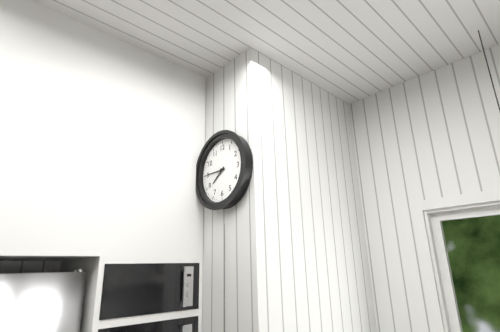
7:45
